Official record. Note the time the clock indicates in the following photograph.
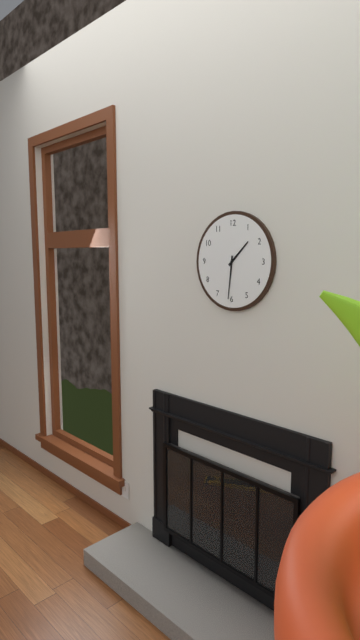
1:31
